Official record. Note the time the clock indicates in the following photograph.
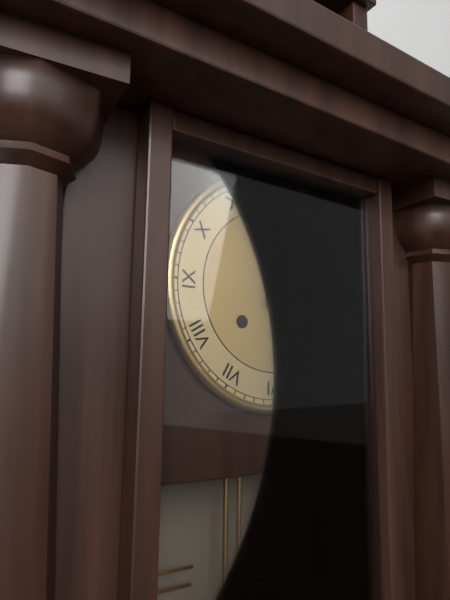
1:05
